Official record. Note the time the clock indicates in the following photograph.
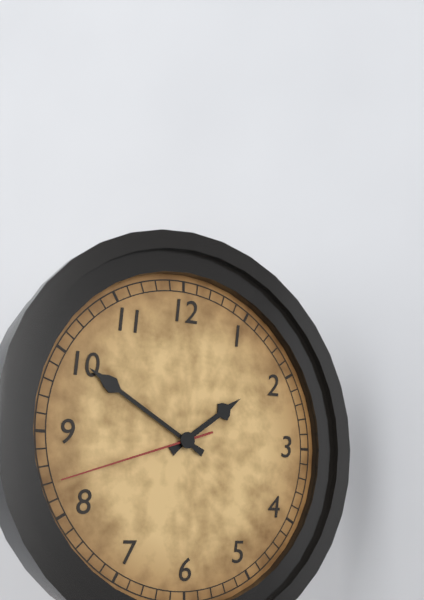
1:50:42
